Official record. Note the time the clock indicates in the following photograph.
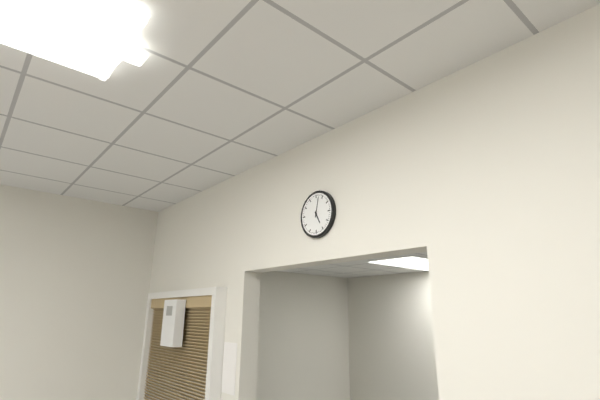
5:02
